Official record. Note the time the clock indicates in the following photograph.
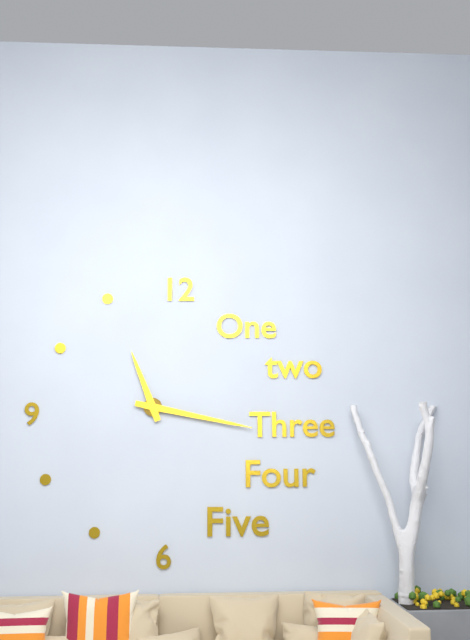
11:17
